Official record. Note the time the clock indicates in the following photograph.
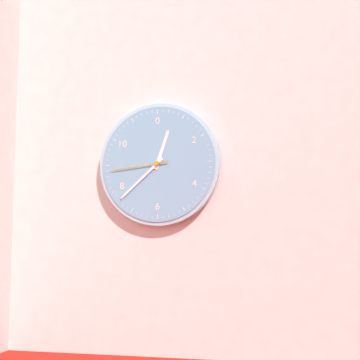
12:38:44
